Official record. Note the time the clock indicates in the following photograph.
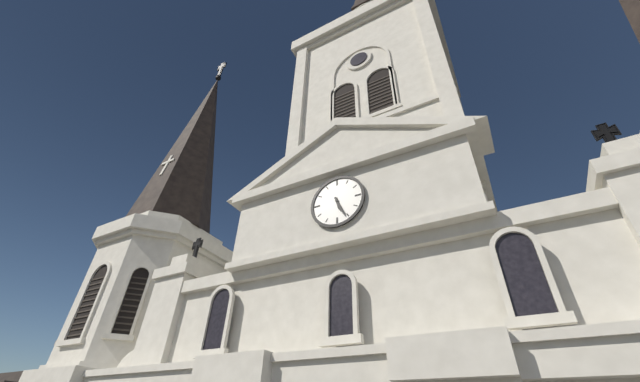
5:26
